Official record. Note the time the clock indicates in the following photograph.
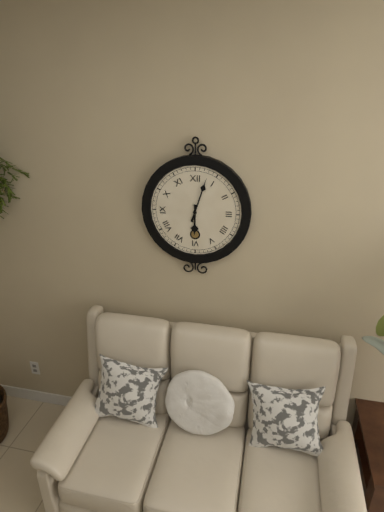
6:03
